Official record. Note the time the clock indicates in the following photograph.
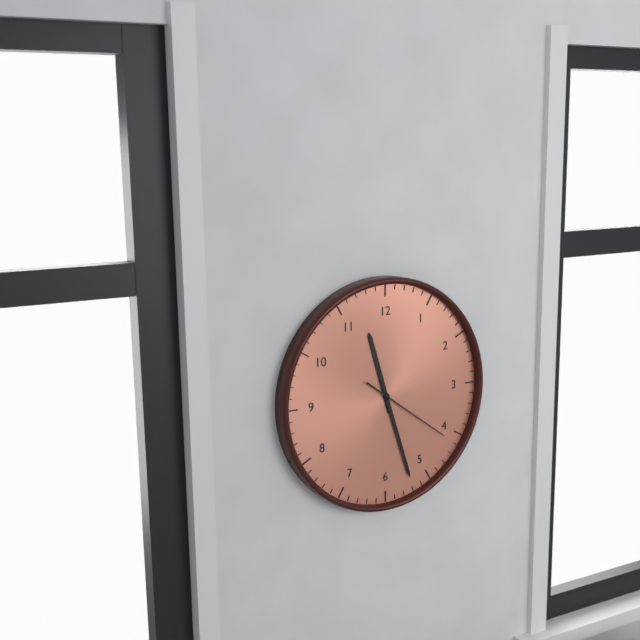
11:27:21
